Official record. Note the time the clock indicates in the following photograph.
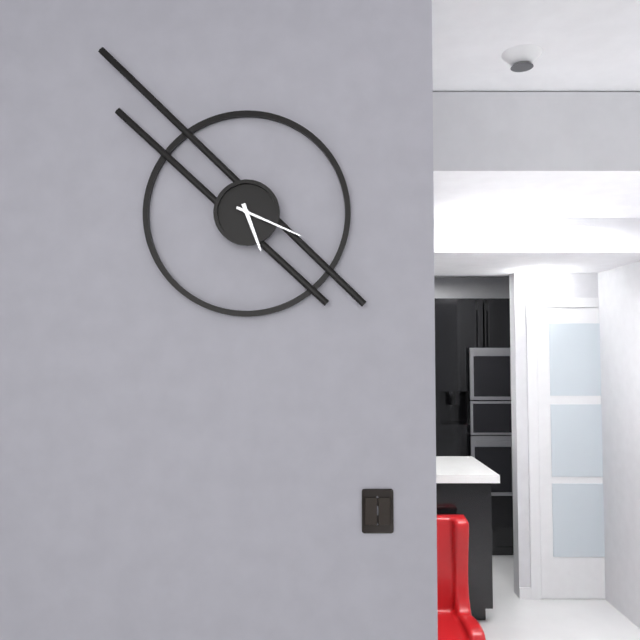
5:19
